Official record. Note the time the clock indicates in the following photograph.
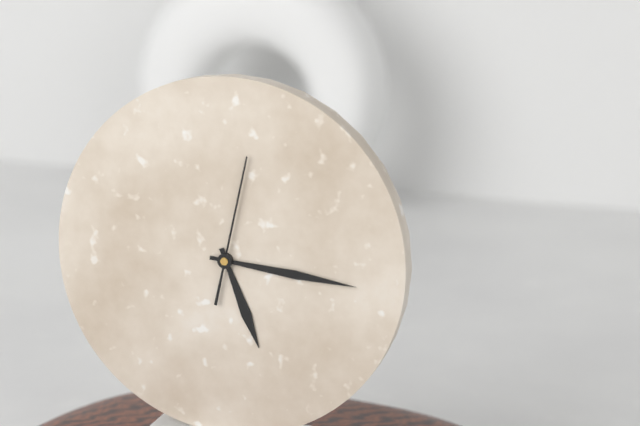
5:16:02
